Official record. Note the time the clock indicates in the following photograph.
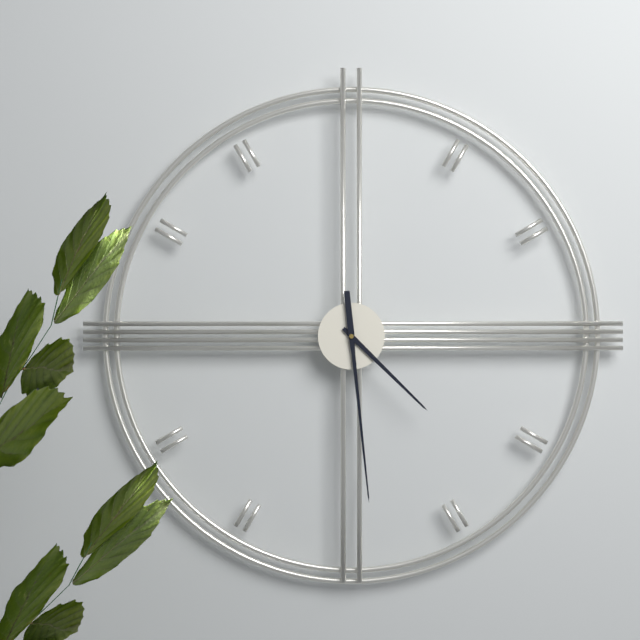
4:29
